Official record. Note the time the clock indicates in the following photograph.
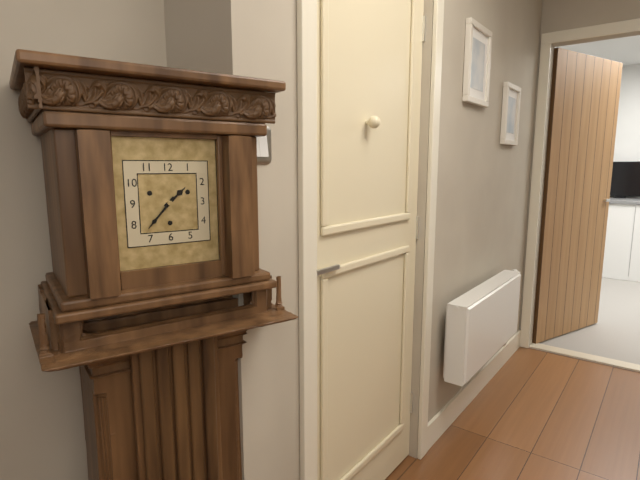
1:37
